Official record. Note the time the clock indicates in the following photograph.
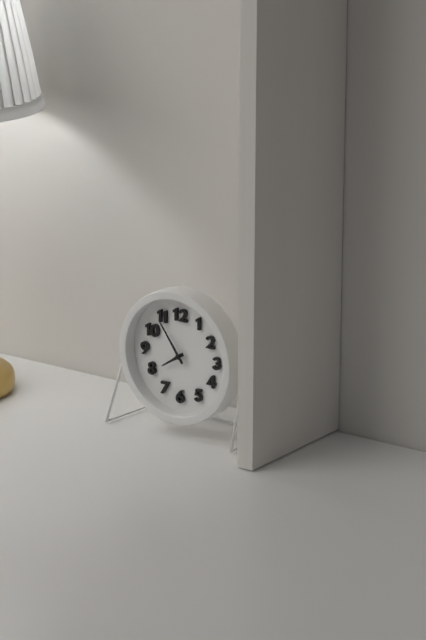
7:54
